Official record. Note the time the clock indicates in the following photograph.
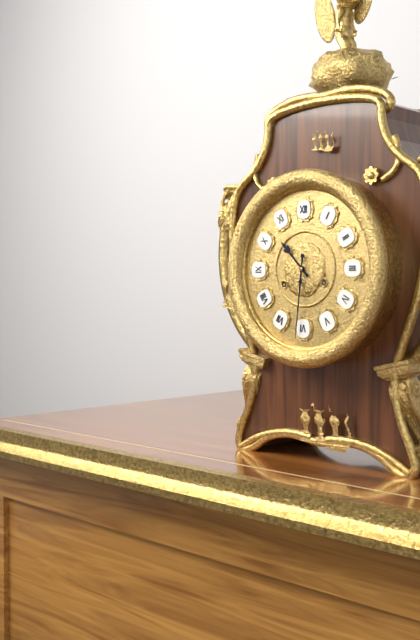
10:31
